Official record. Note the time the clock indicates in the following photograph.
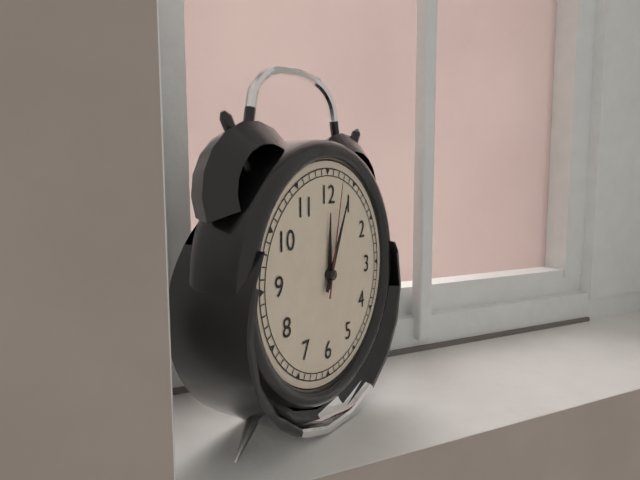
12:04:02
